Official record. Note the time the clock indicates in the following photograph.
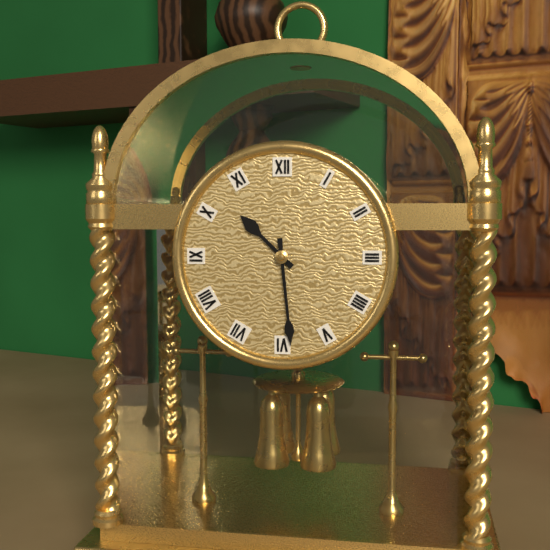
10:29
